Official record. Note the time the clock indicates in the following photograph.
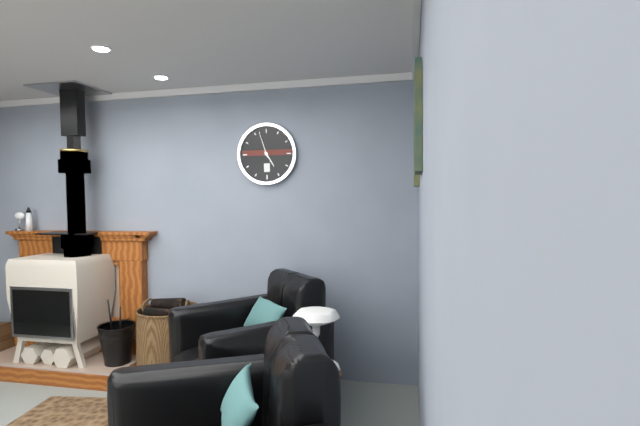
4:57
